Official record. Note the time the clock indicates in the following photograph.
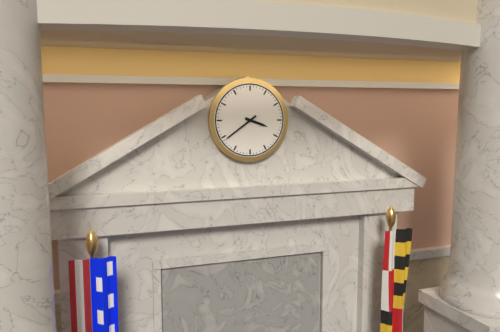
3:39
